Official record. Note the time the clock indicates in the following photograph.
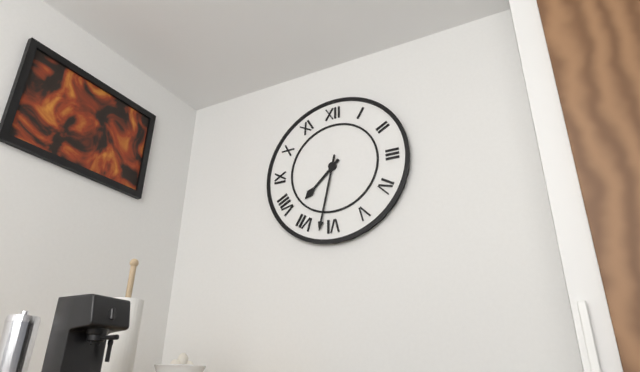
7:32
